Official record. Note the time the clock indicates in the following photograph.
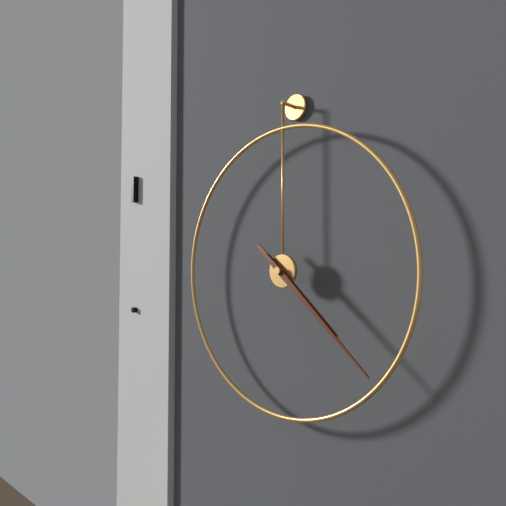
4:22
